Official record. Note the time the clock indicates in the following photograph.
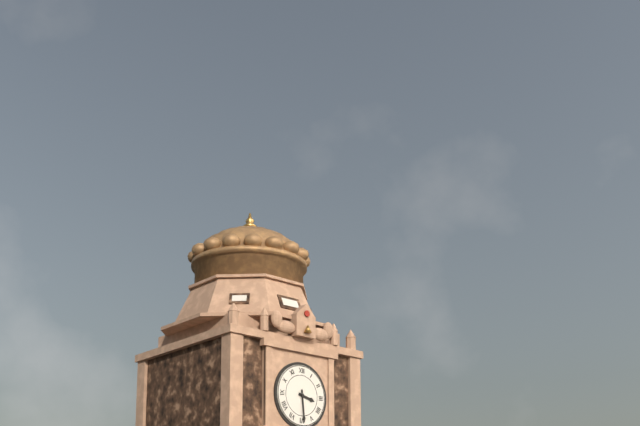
3:29
